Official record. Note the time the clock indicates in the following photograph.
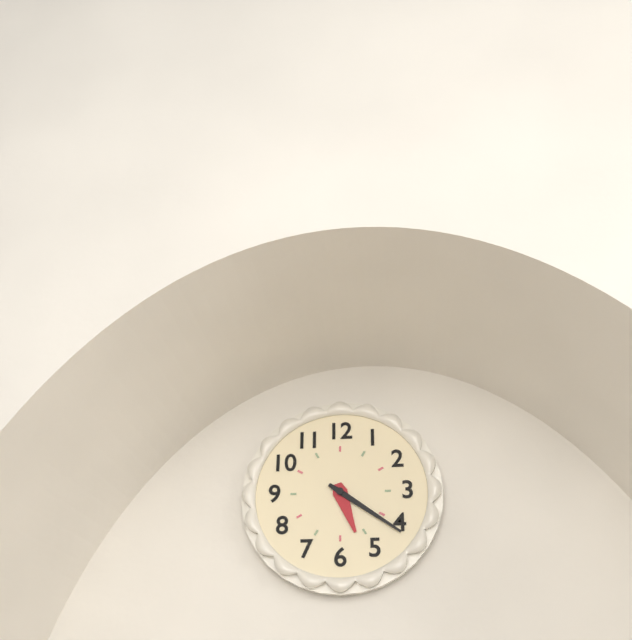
5:21
